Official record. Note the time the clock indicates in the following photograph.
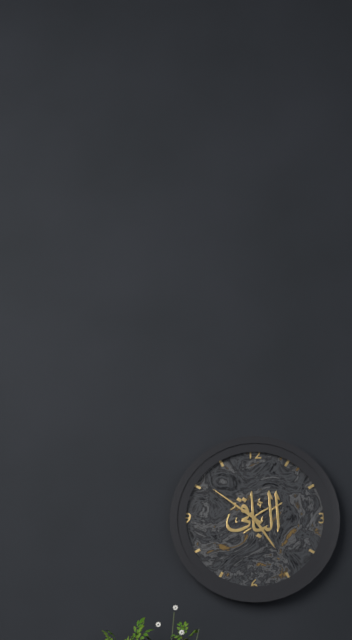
4:51
